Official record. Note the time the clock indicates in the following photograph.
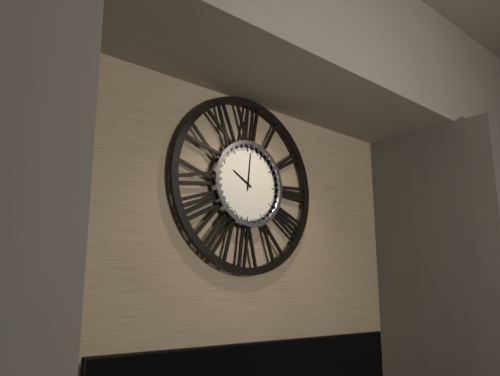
10:01
